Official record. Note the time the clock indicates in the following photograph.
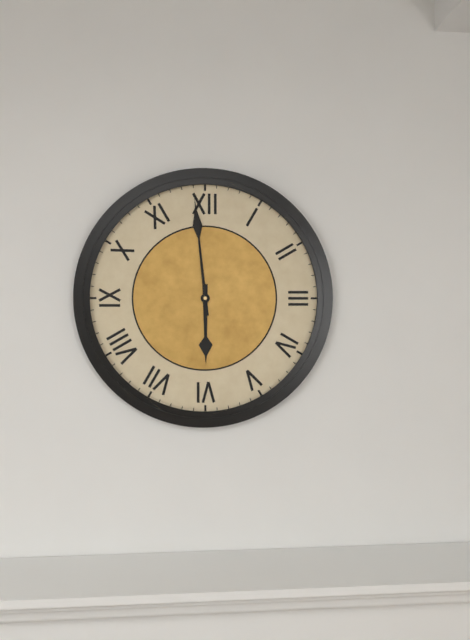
5:59
